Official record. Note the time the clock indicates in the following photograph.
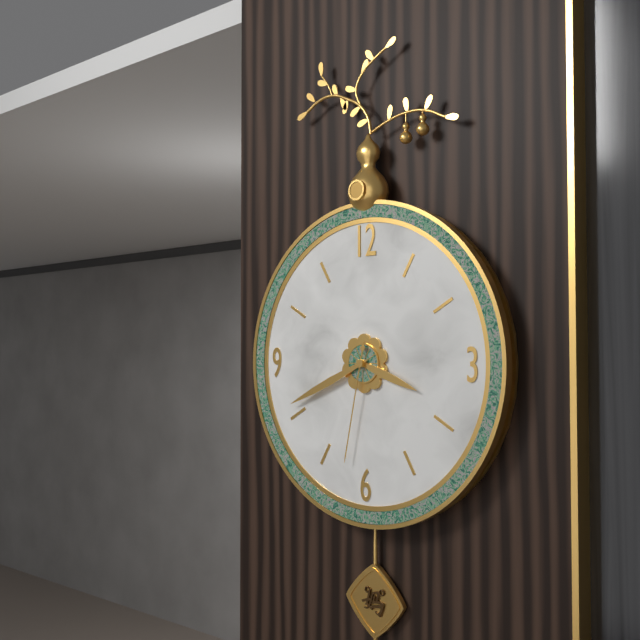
3:41:32
